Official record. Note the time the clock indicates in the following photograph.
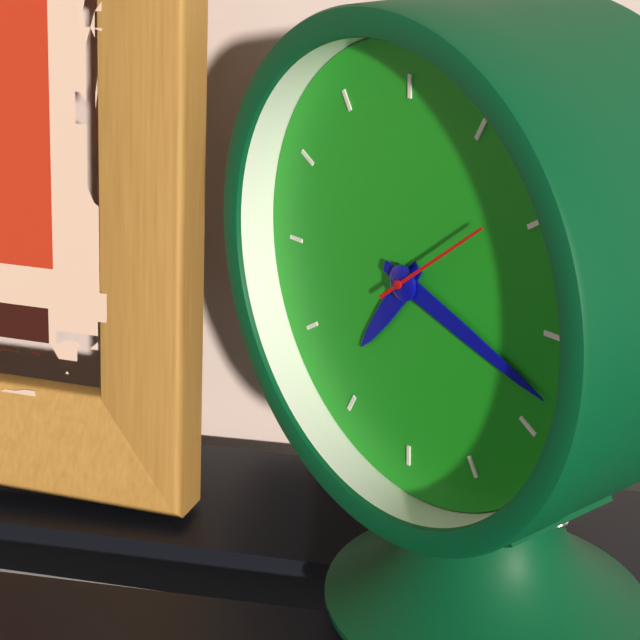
7:18:09
